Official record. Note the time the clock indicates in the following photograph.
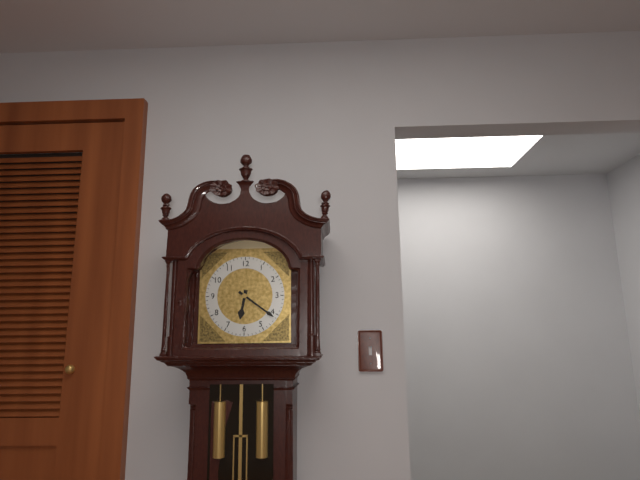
6:21
